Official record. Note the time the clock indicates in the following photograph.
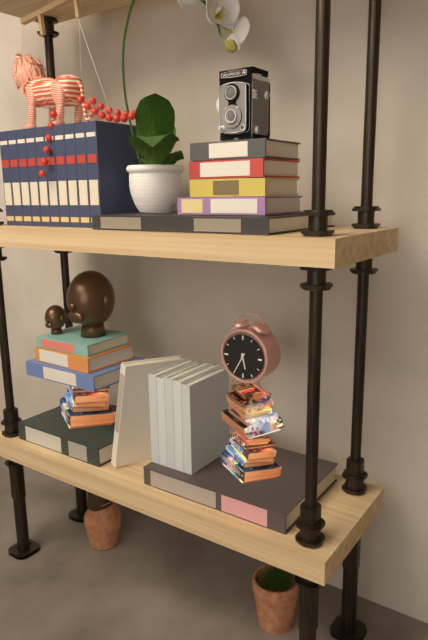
5:35
